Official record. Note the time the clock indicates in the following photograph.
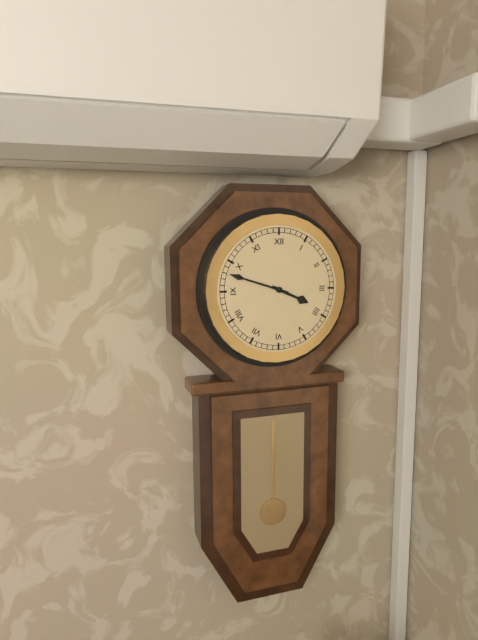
3:48
